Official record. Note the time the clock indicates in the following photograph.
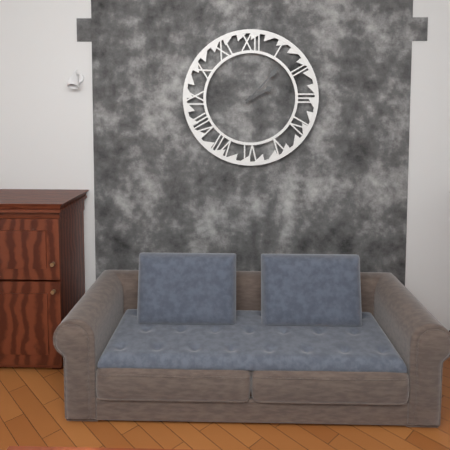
2:07
